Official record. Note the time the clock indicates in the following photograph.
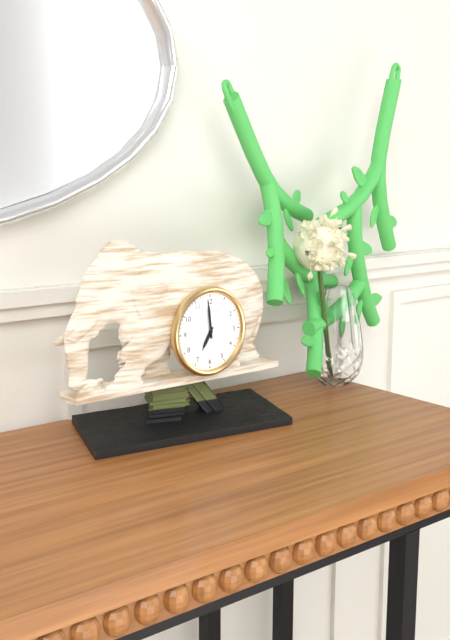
6:59
